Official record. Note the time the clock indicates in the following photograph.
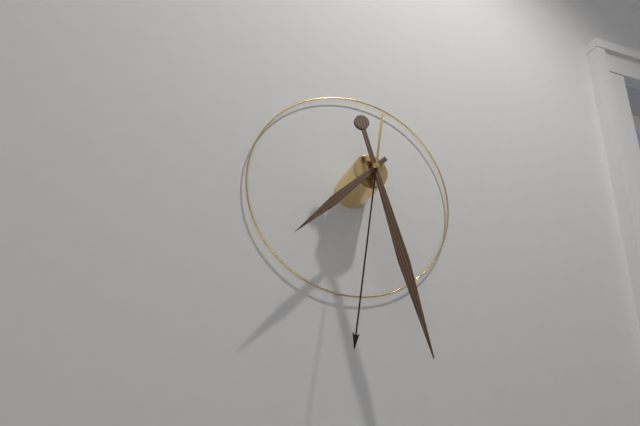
7:27:31
